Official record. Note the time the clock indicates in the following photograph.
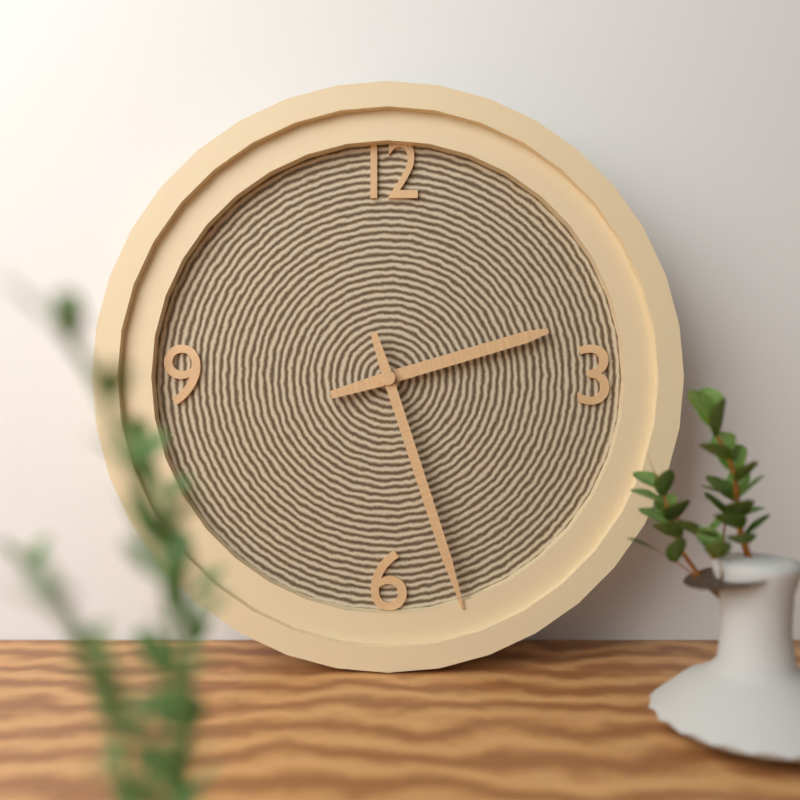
2:27
